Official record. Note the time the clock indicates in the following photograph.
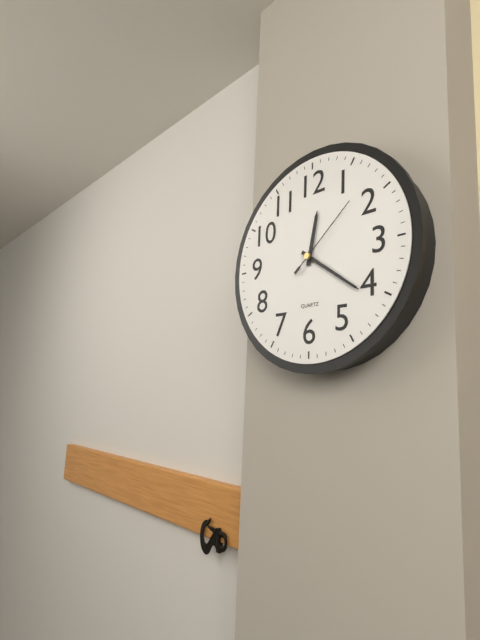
12:21:08
